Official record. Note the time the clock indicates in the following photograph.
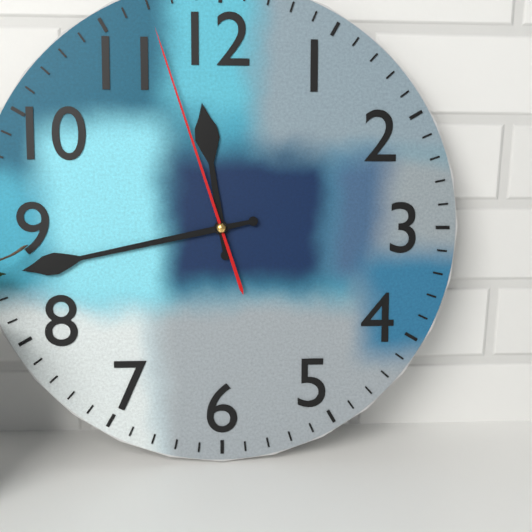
11:43:57
